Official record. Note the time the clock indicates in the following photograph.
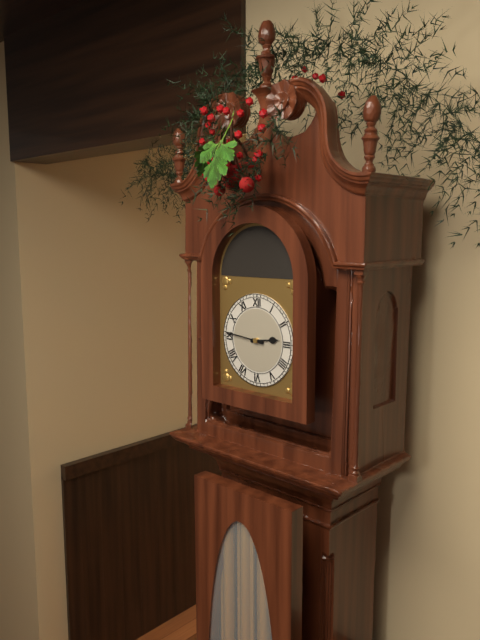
2:46
